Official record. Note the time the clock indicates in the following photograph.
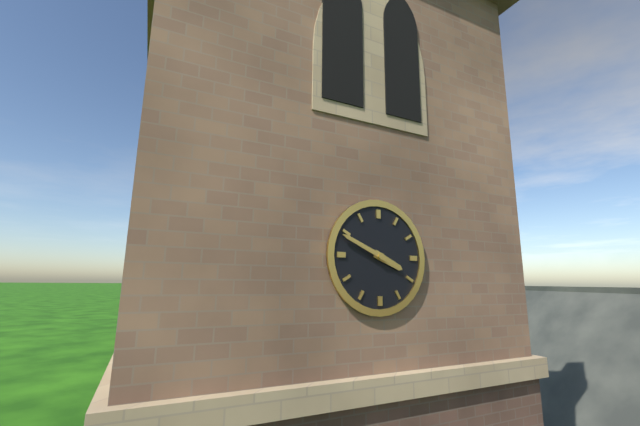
3:49
